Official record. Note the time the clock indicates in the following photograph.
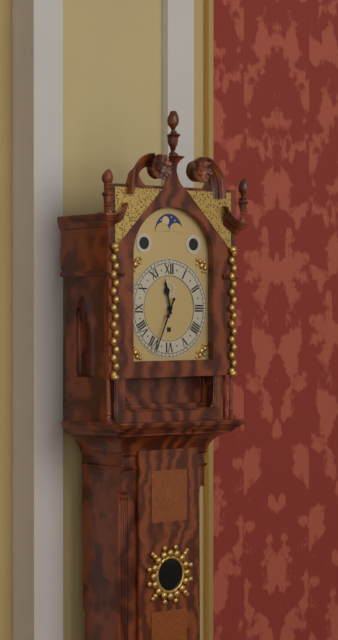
11:34
